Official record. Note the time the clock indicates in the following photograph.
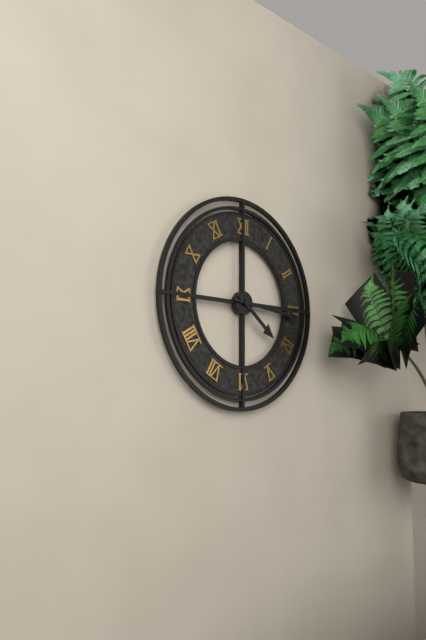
4:16
